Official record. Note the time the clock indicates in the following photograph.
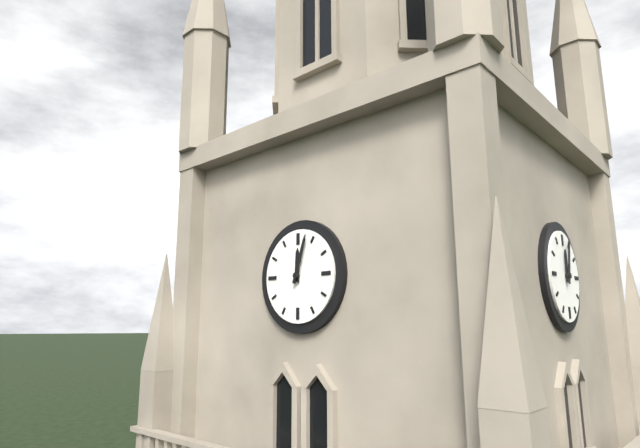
12:03
